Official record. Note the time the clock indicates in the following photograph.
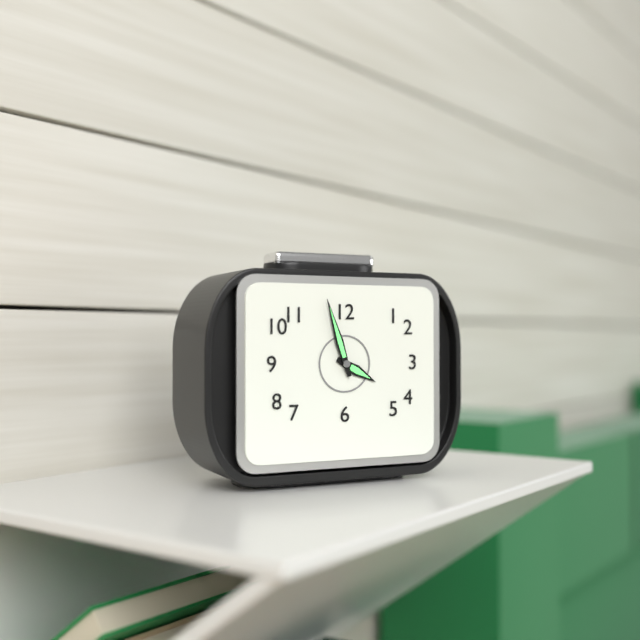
3:57
